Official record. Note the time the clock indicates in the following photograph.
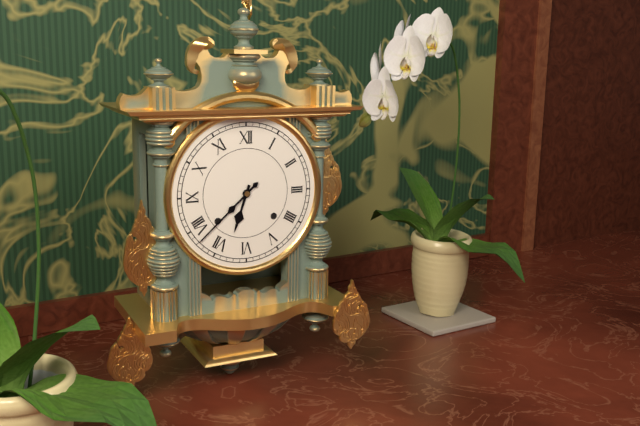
6:38
